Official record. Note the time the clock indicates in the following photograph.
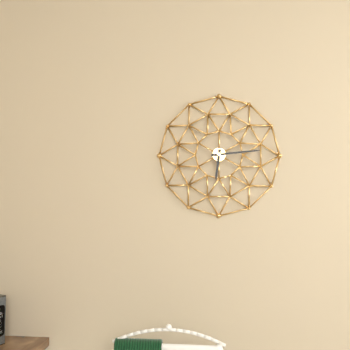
6:14
